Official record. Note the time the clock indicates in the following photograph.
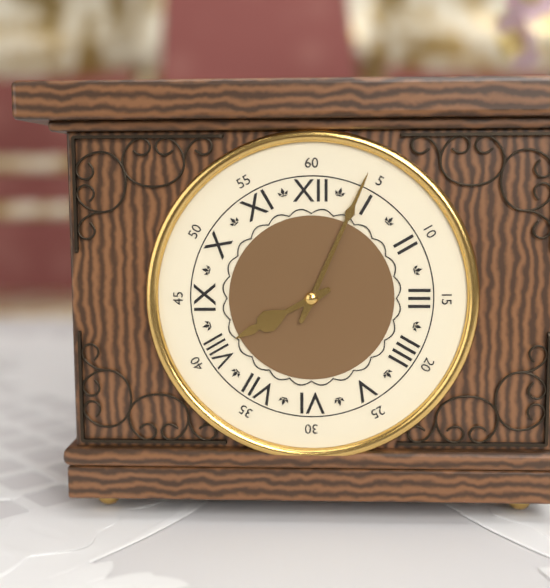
8:04
